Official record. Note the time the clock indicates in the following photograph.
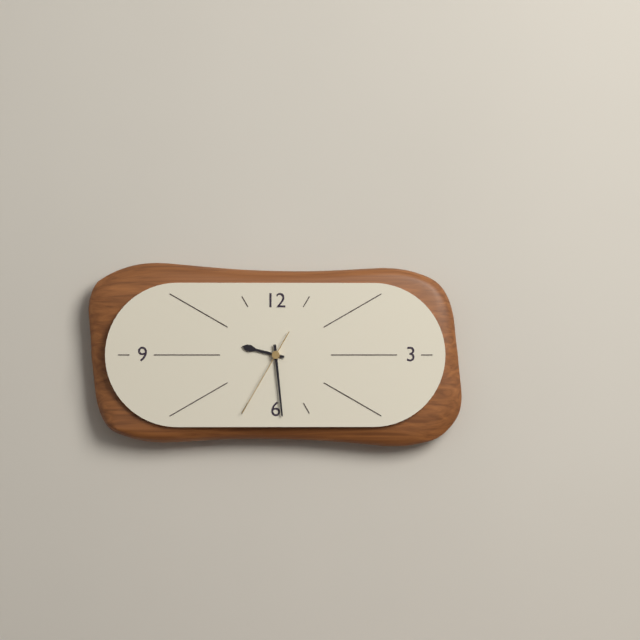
9:29:35
